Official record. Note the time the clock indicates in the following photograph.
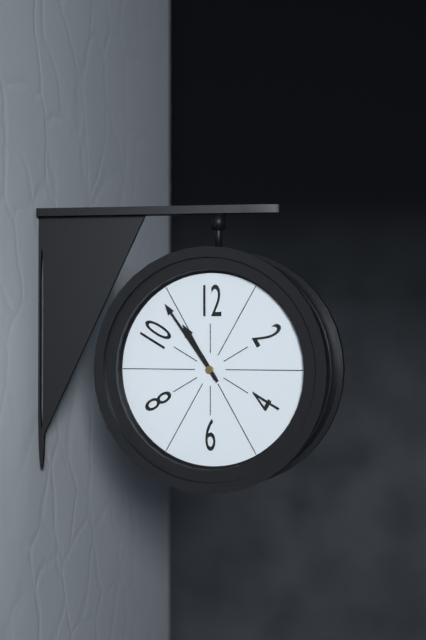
10:54
